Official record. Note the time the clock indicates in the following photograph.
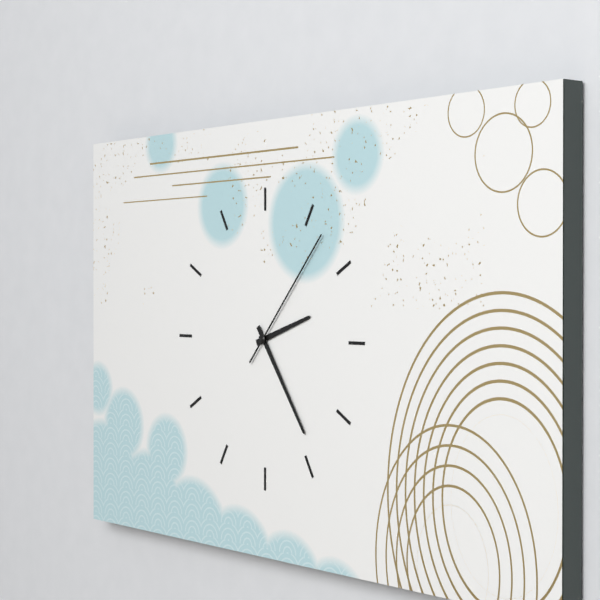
2:24:07
